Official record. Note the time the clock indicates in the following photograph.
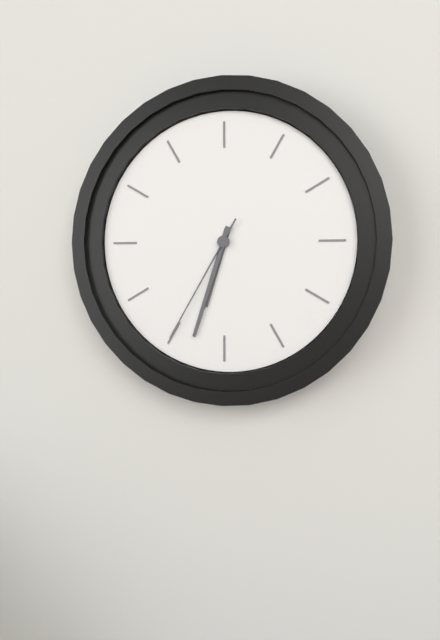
6:33:35
